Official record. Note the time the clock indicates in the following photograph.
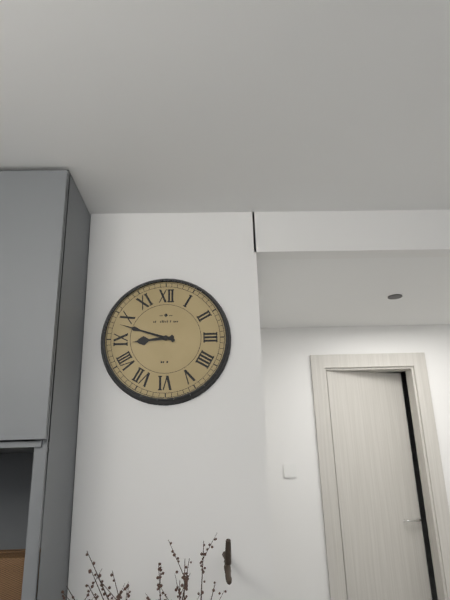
8:48
